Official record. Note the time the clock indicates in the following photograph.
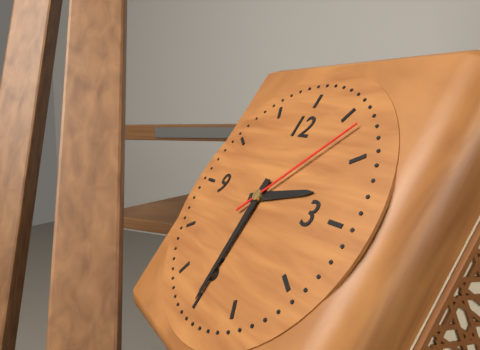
2:30:07
